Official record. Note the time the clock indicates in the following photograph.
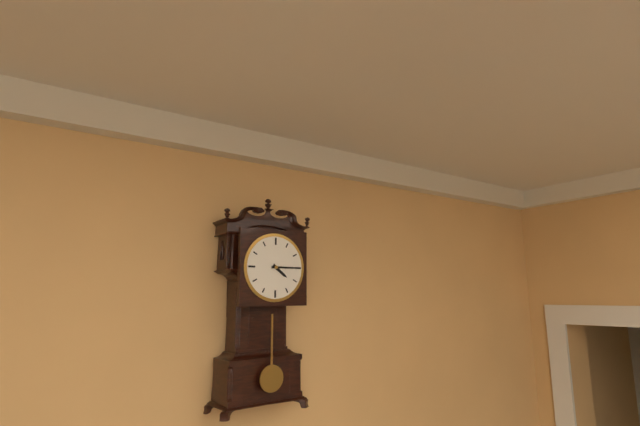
4:15
